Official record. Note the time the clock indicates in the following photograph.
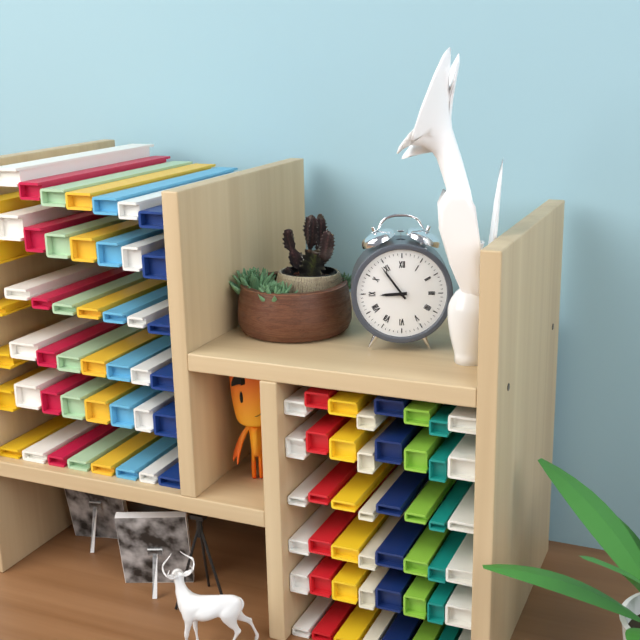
8:54
